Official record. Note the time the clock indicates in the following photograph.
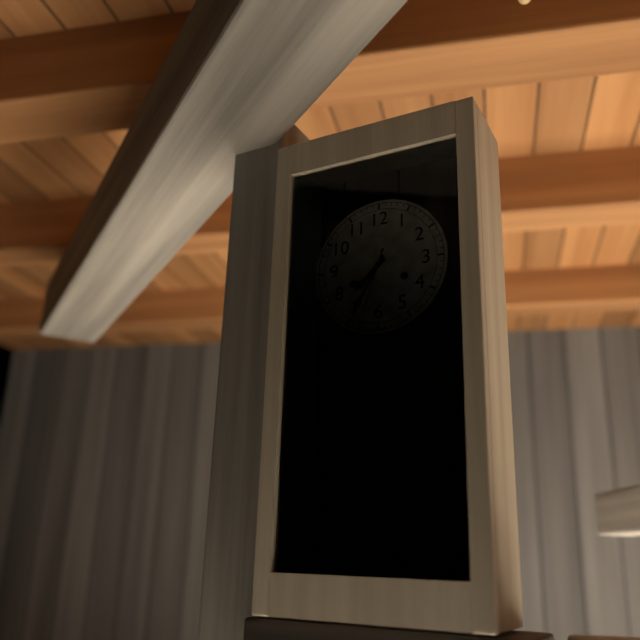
7:35:33
